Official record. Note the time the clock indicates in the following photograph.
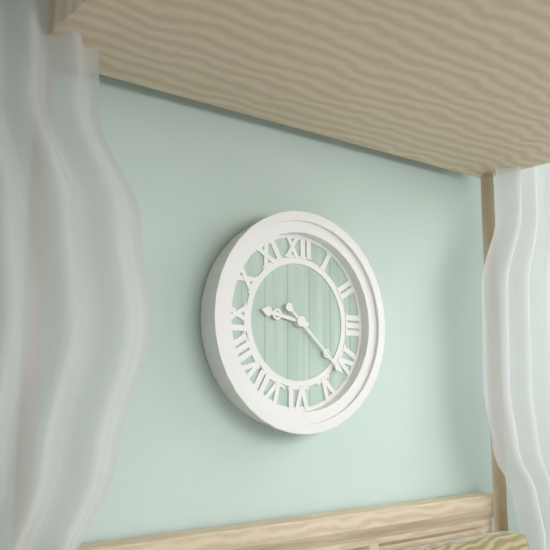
9:22
